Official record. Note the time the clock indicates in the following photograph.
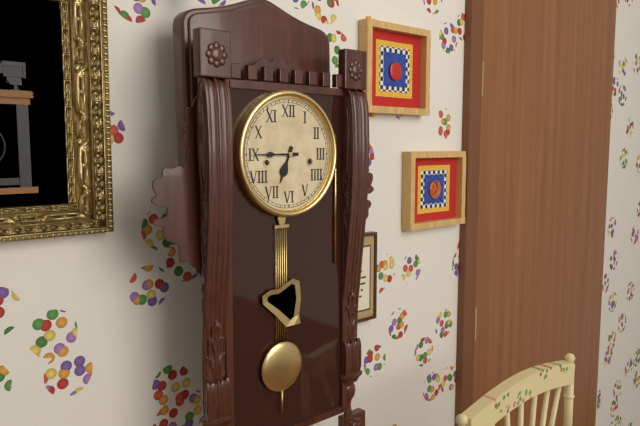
6:45
